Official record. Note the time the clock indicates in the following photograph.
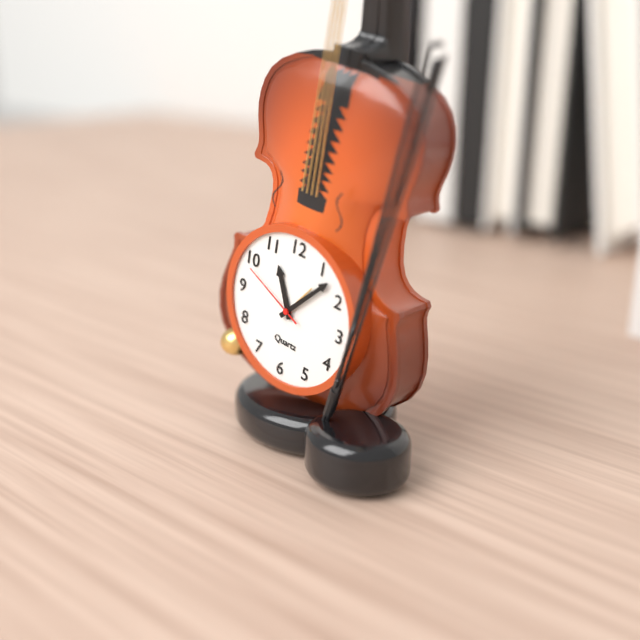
11:07:49
